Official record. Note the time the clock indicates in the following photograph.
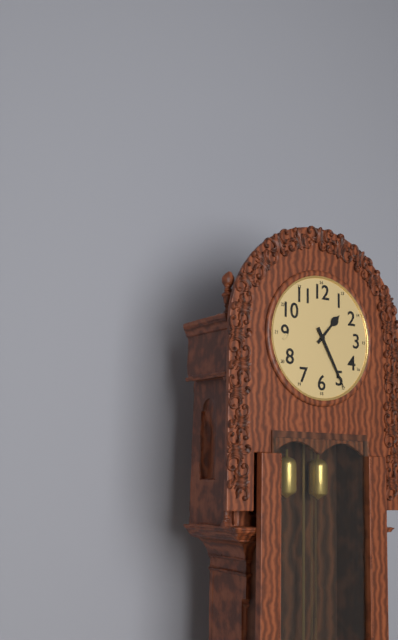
1:25
